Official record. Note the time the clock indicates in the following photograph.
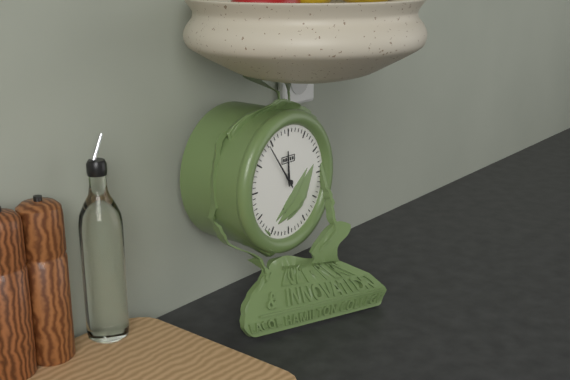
11:54
